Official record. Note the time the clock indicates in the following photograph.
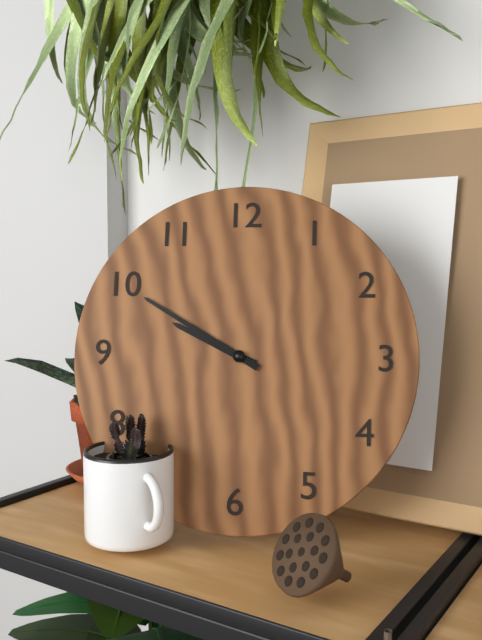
9:50
